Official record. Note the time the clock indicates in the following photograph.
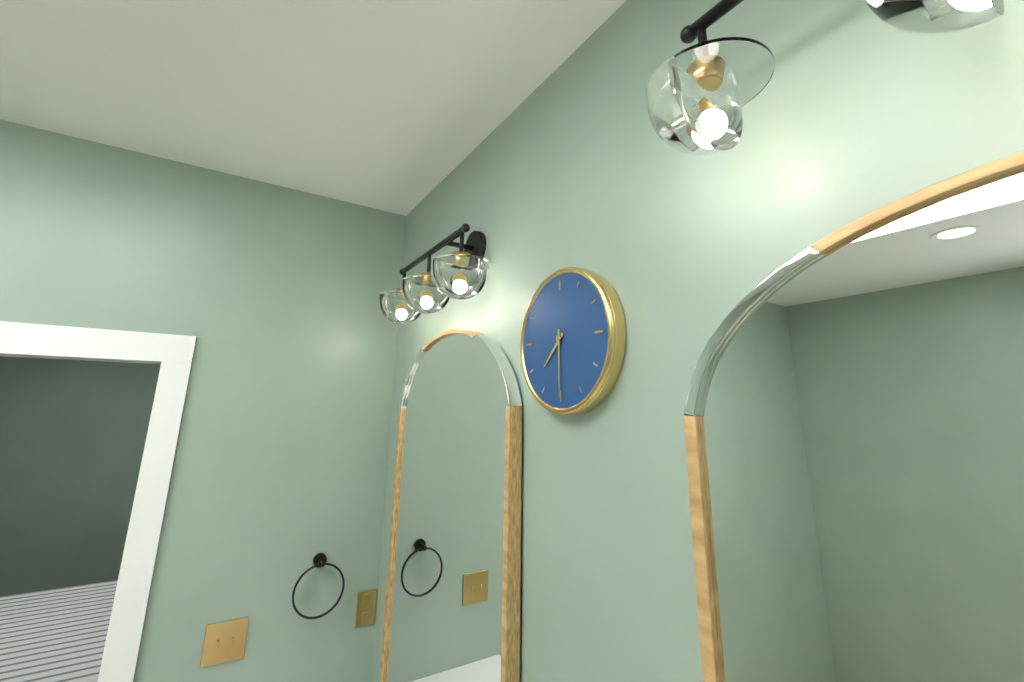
7:30
